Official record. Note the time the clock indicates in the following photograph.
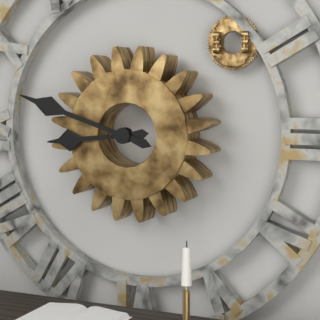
8:48
